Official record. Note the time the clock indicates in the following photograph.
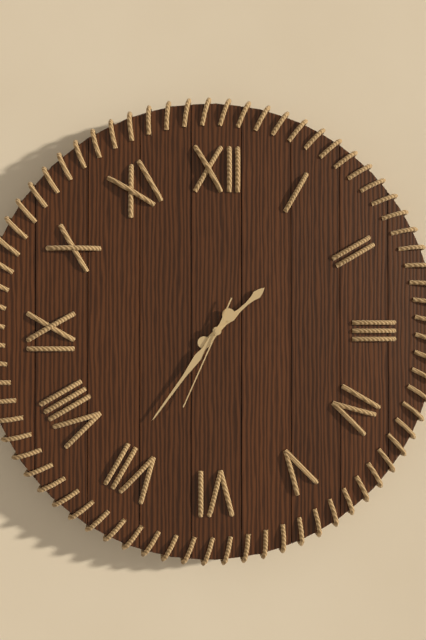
1:36:34
